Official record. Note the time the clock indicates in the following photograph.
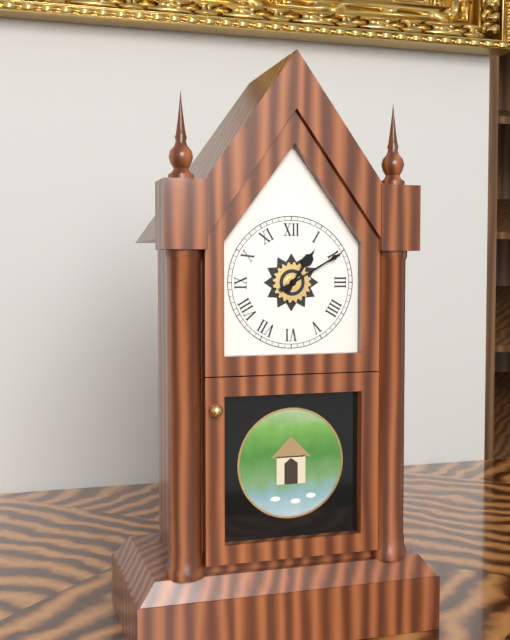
1:10
